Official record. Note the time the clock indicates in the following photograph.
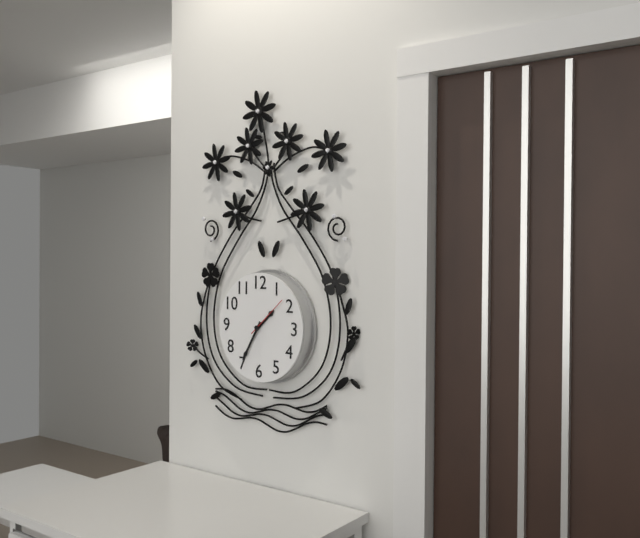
1:35
